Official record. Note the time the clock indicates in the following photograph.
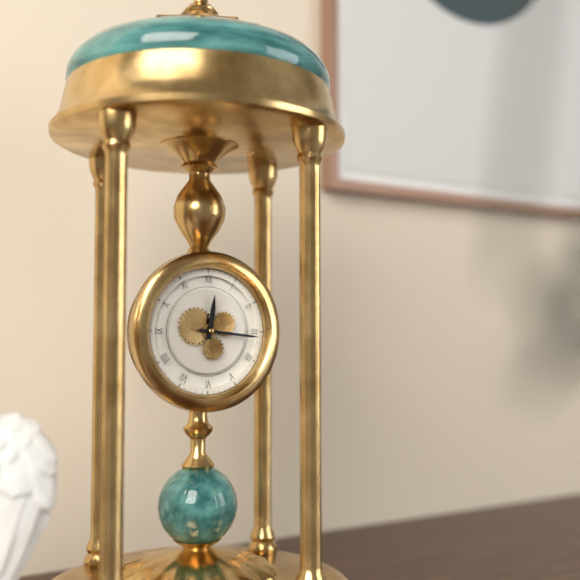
12:16
